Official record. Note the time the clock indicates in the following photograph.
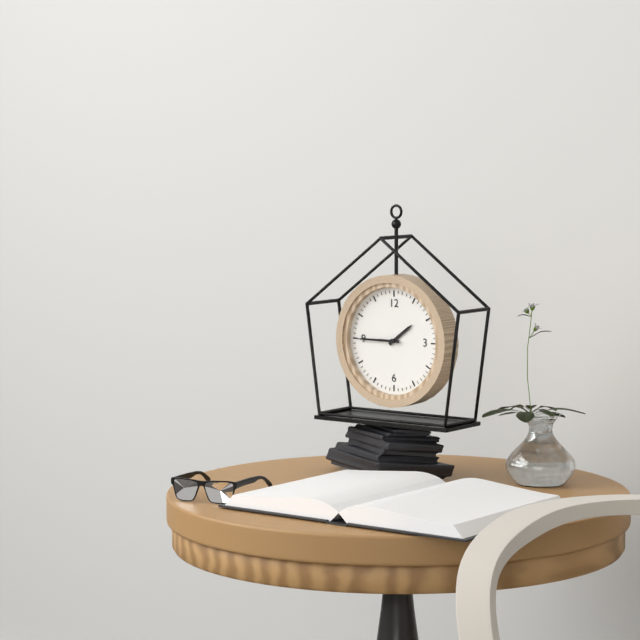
1:45
